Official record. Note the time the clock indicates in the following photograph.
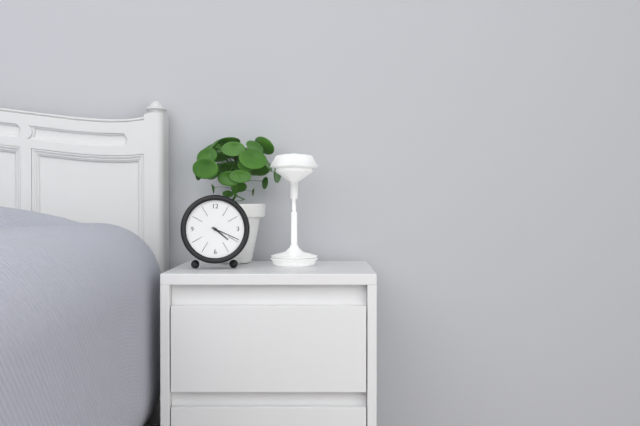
4:19
